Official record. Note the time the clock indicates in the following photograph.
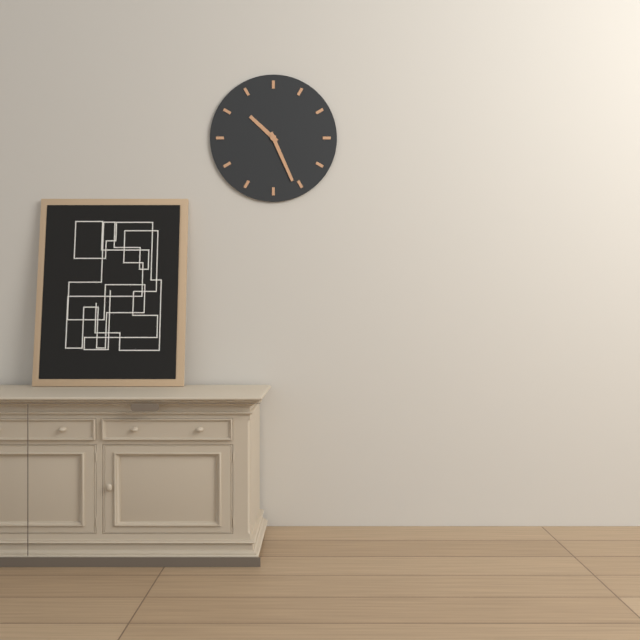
10:26
